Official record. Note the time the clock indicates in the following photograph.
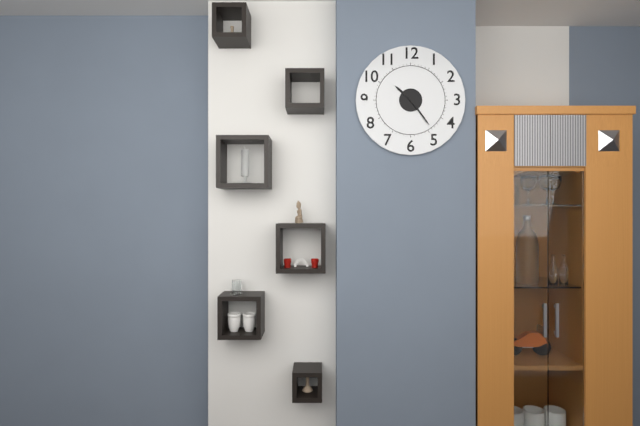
10:24
